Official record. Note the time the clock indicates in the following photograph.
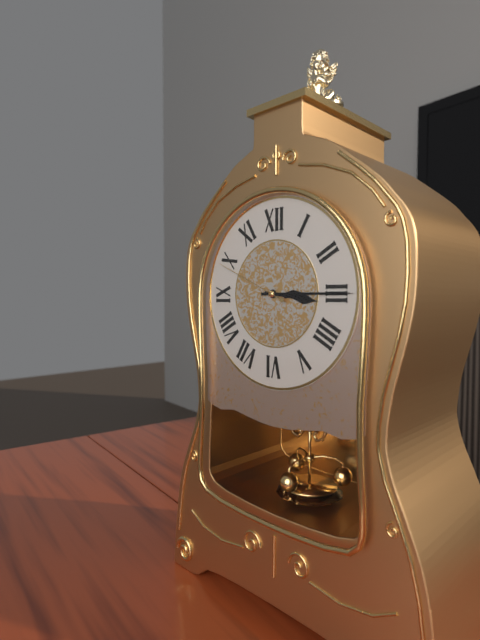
3:15:49
